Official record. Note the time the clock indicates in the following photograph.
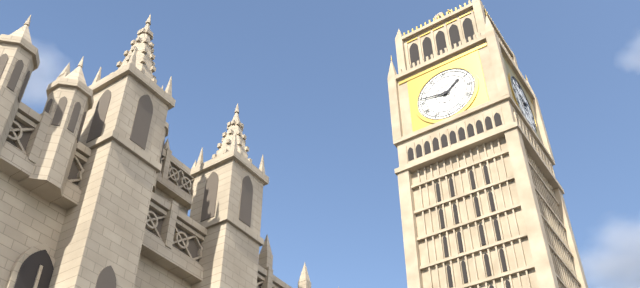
1:47
